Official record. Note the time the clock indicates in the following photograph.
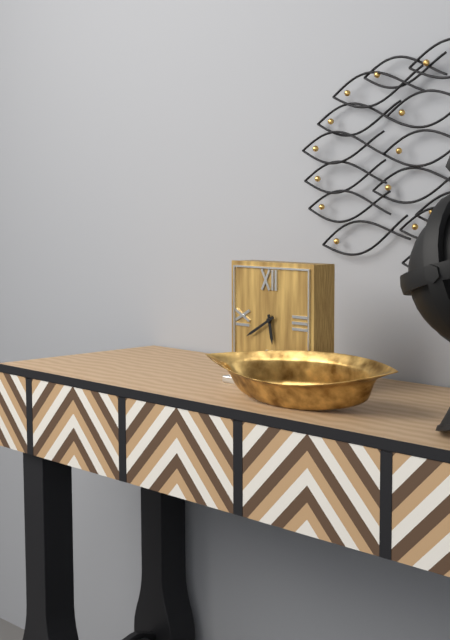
5:40
